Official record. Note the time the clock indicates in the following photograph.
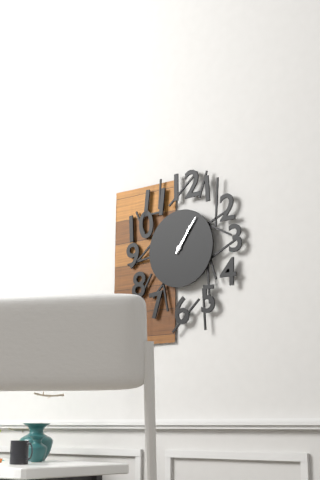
1:06
